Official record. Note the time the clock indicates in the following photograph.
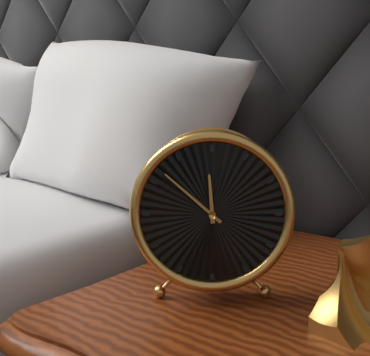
11:52
